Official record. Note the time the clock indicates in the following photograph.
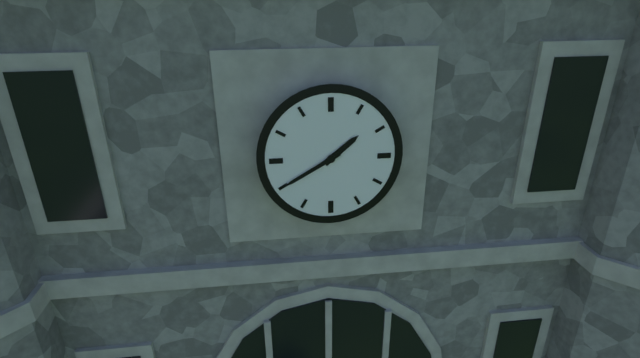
1:40
